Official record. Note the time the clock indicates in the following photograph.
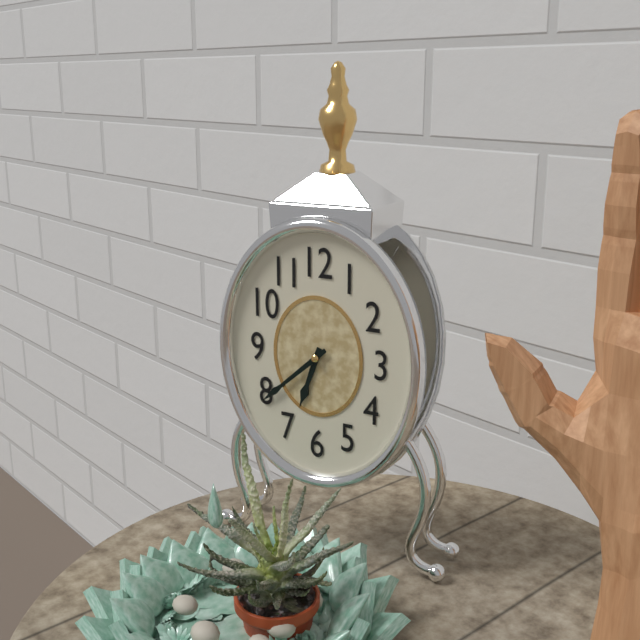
6:38
